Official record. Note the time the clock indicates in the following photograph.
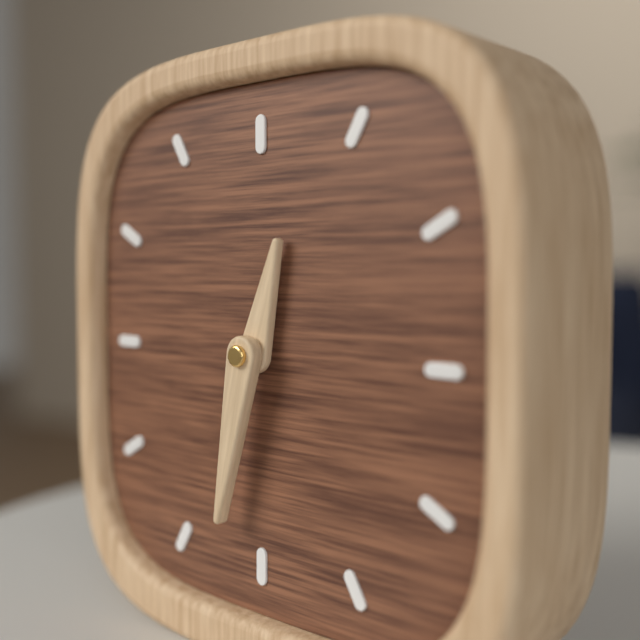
12:32
